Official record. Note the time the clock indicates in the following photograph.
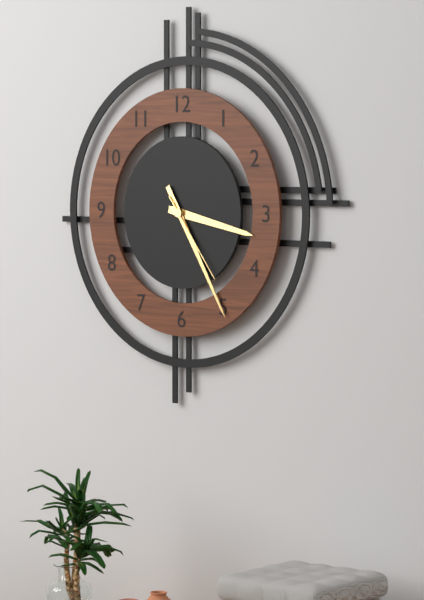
3:25:24
